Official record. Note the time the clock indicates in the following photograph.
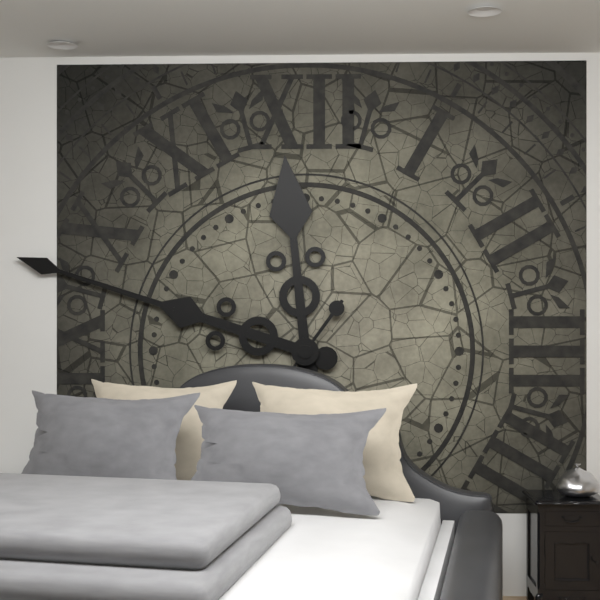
11:48
